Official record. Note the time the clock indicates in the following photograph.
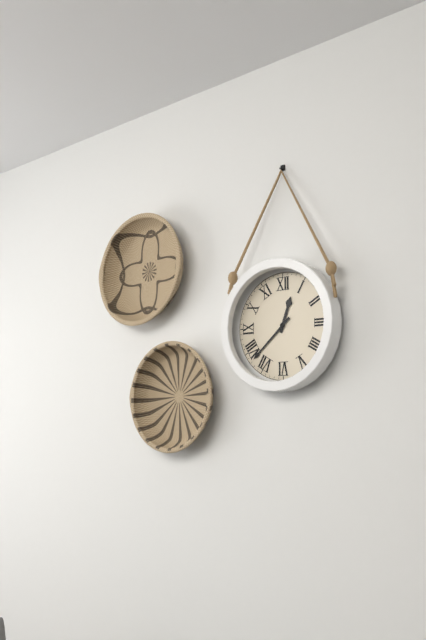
12:38
